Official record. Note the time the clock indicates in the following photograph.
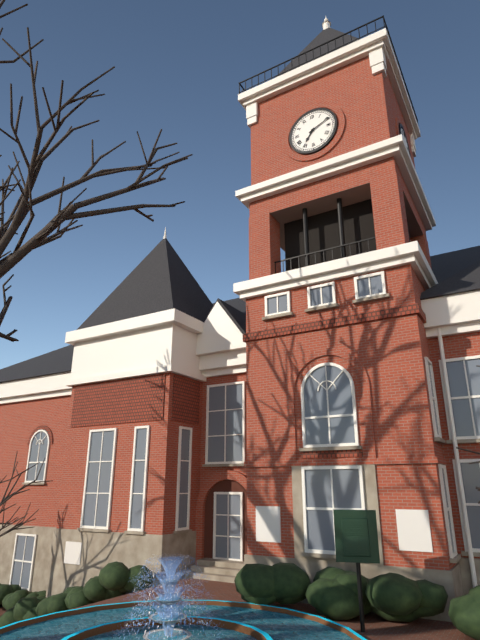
7:11
